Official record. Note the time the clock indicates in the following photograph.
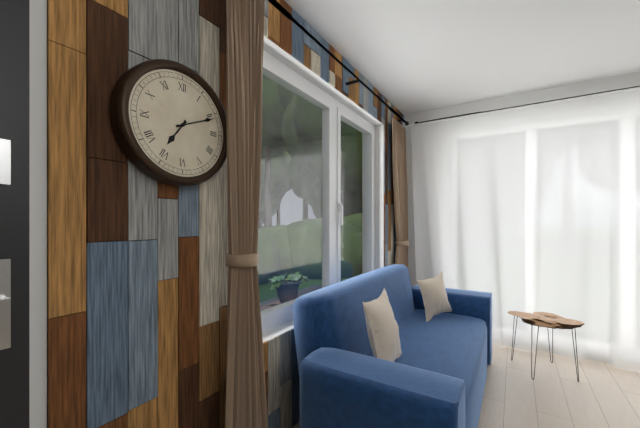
7:11
